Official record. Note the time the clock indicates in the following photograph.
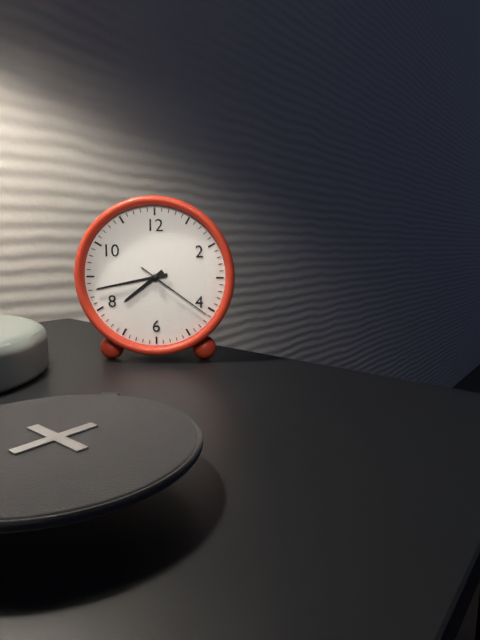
7:43:21
